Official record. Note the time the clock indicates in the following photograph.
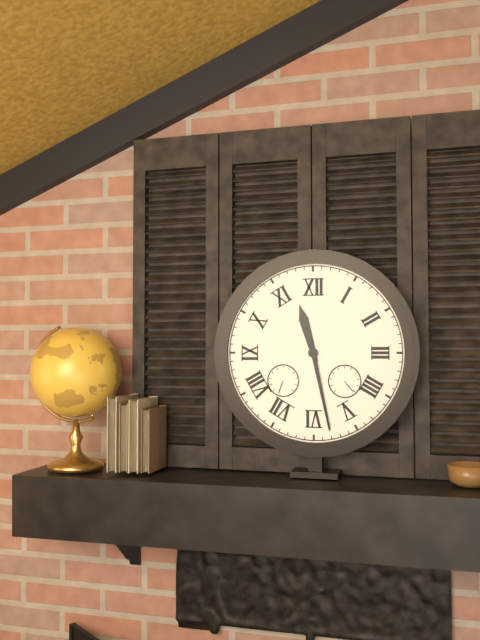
11:28
